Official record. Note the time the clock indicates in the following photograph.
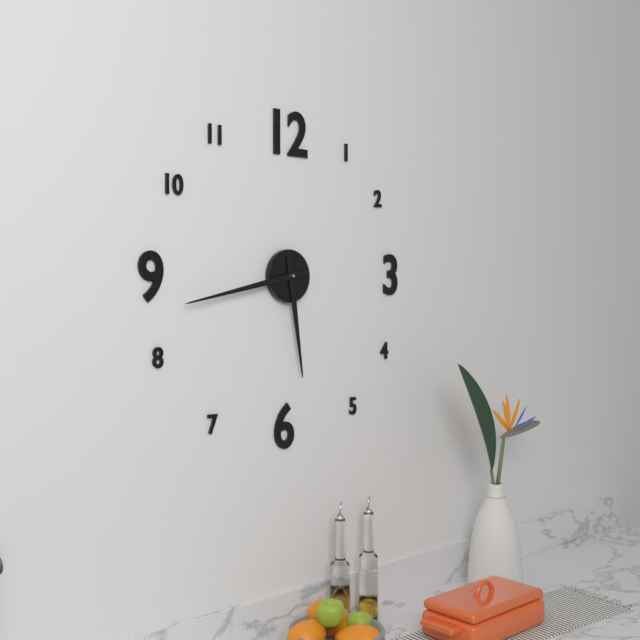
5:43
